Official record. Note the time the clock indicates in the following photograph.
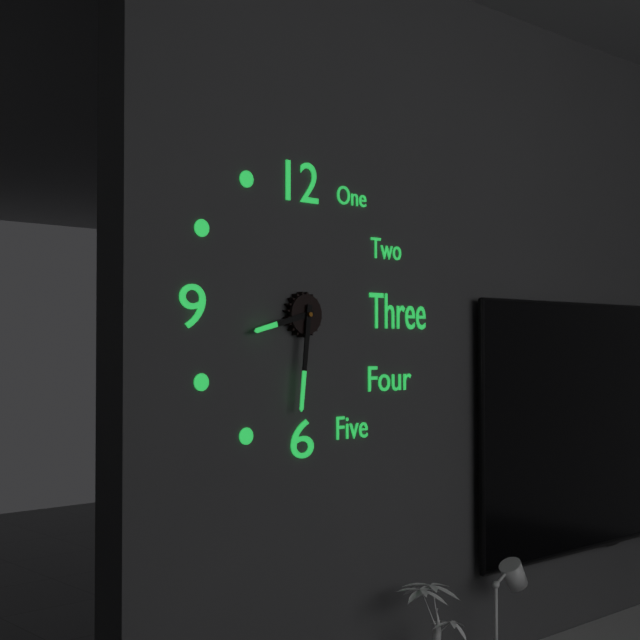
8:31
